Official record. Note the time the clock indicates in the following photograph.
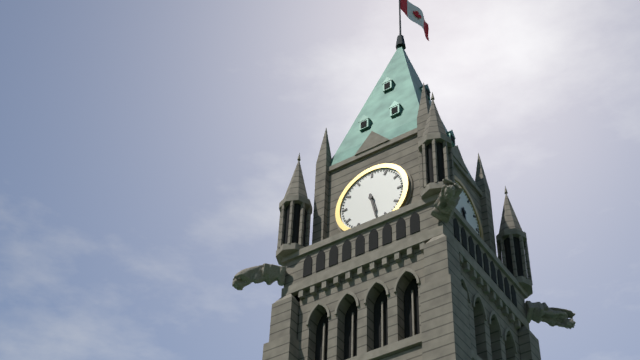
5:28
